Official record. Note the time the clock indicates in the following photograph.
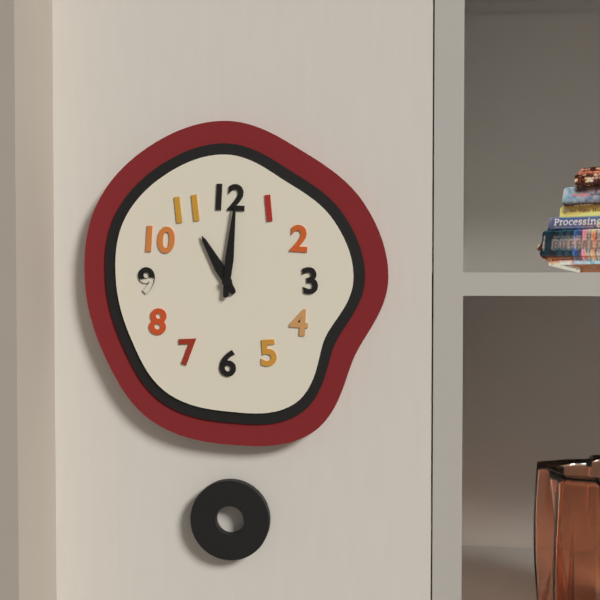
11:01
